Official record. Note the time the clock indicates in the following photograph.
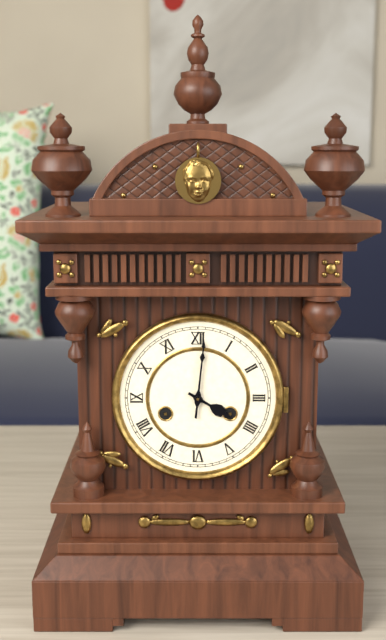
4:01
